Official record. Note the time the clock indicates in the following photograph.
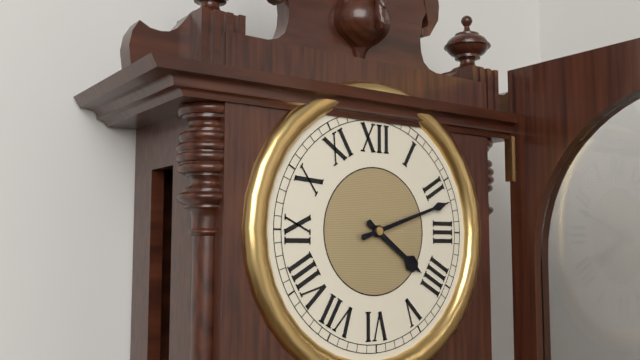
4:12
